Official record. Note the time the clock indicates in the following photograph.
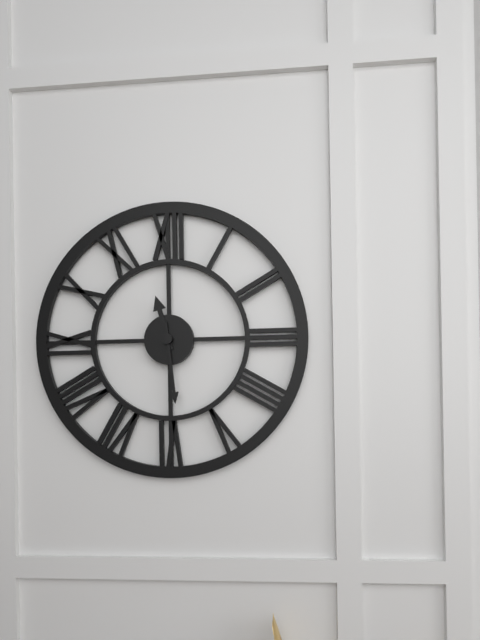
11:29
